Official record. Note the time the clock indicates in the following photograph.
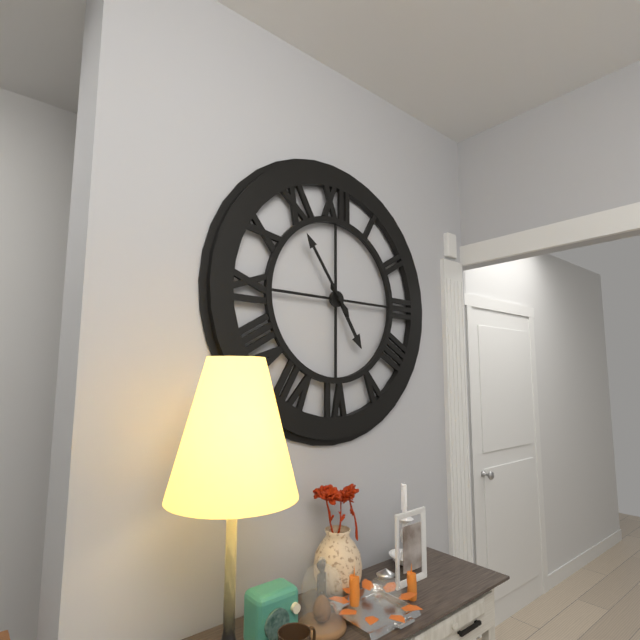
4:54
